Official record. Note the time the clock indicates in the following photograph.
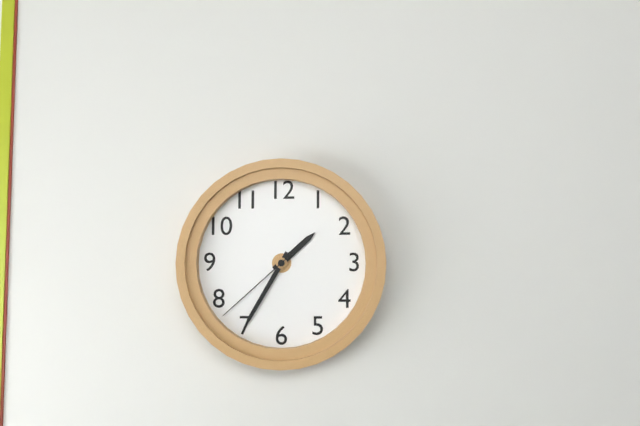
1:35:38
